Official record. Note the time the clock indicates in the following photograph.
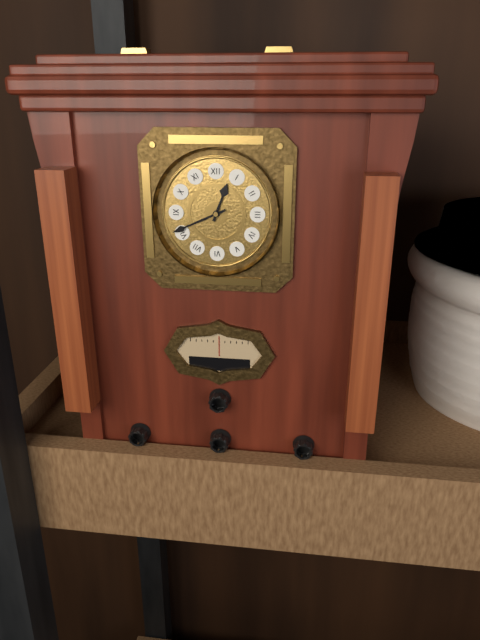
12:41
